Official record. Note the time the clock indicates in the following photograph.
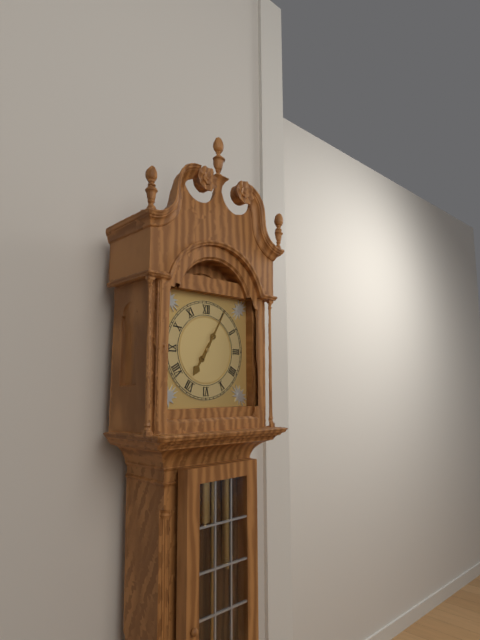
7:05
